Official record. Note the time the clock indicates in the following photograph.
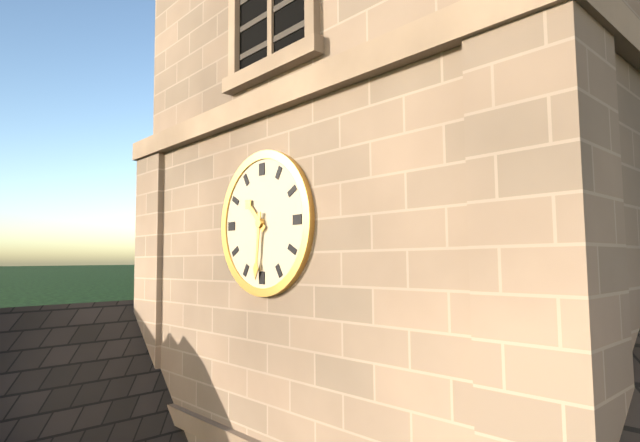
10:31
